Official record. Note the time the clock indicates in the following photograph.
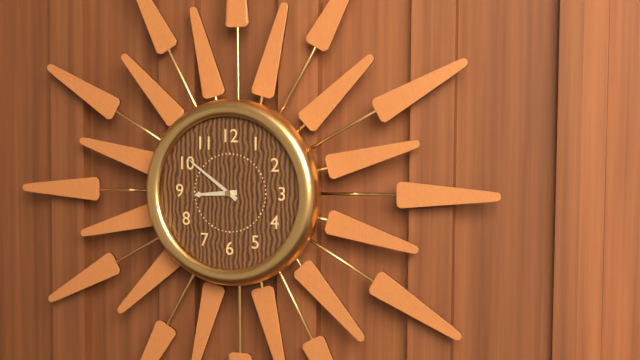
8:51
